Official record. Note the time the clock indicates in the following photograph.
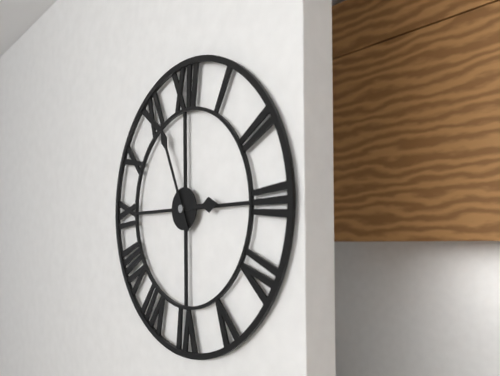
2:56
